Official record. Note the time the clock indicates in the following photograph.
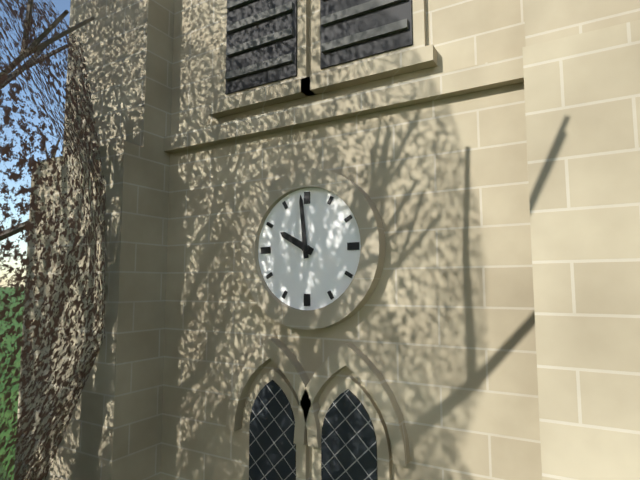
9:59
